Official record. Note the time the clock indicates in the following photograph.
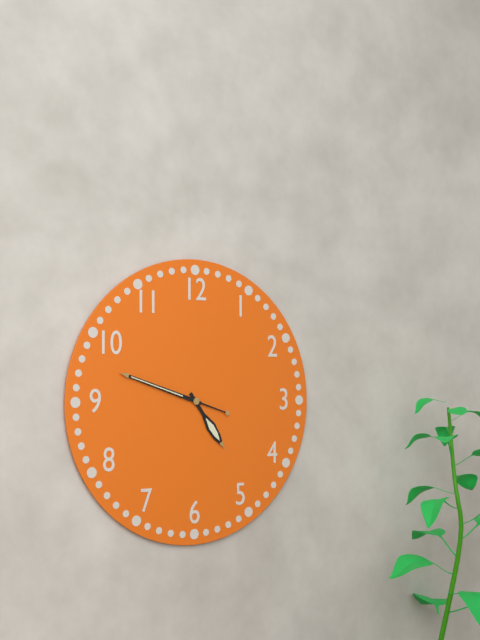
4:48
